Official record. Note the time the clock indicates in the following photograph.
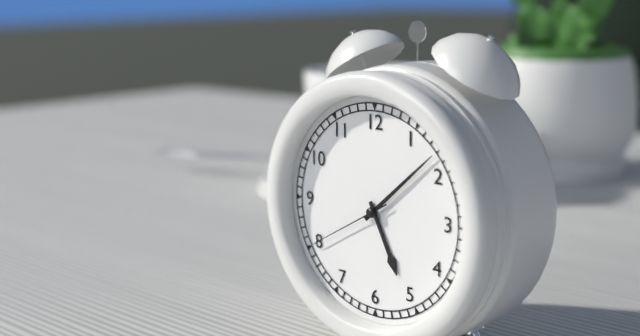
5:08:40
